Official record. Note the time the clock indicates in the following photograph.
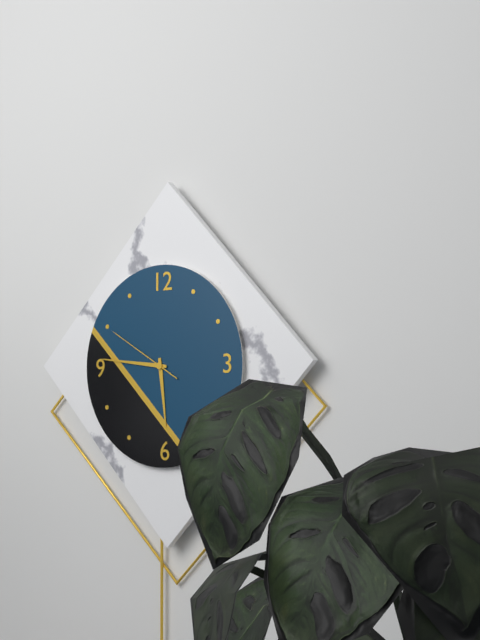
5:46:50
